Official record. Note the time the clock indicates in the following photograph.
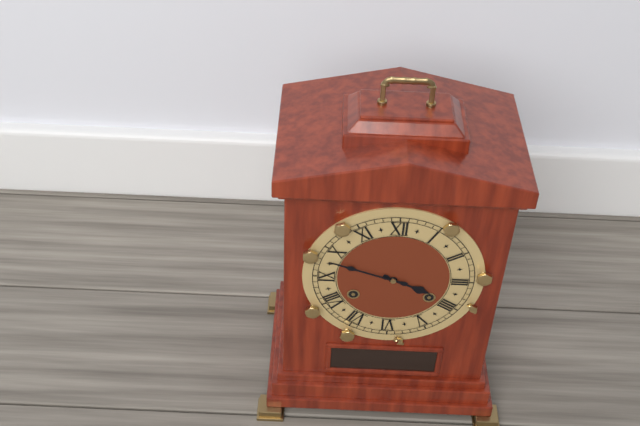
3:48
